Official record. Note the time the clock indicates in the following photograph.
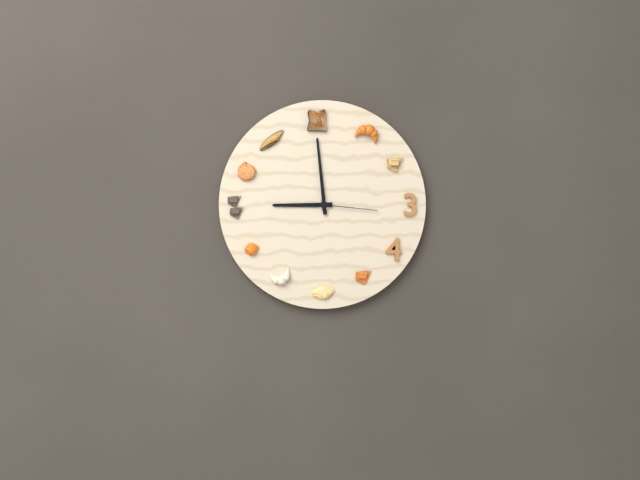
8:59:16
